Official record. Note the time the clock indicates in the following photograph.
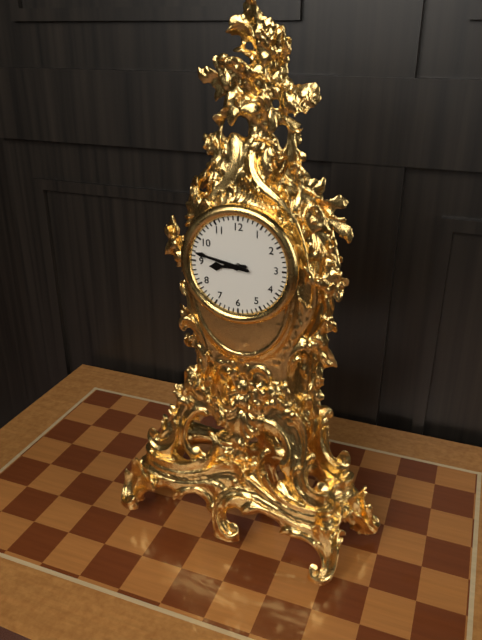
8:47
